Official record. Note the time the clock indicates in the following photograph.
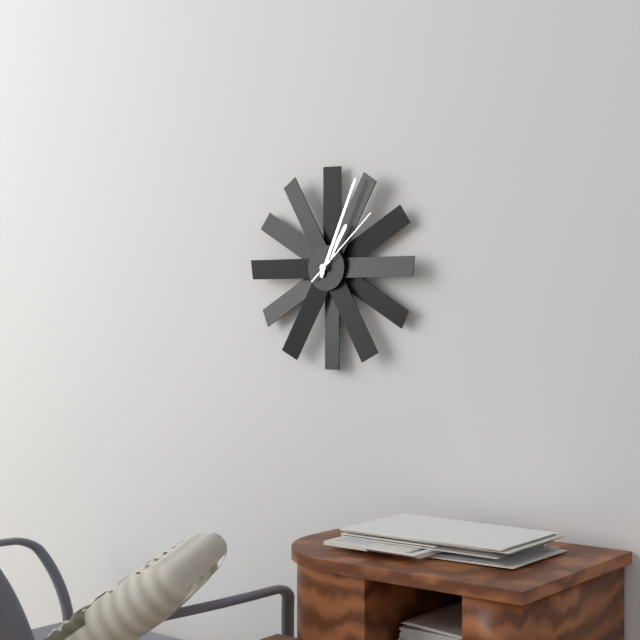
1:04:08
